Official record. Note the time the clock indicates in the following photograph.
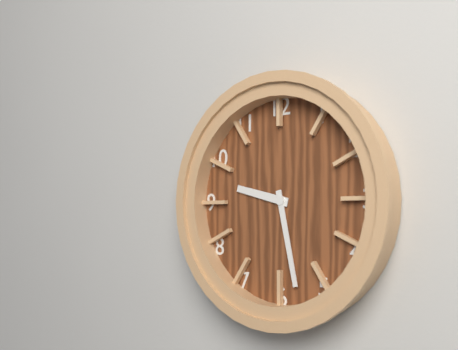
9:28
